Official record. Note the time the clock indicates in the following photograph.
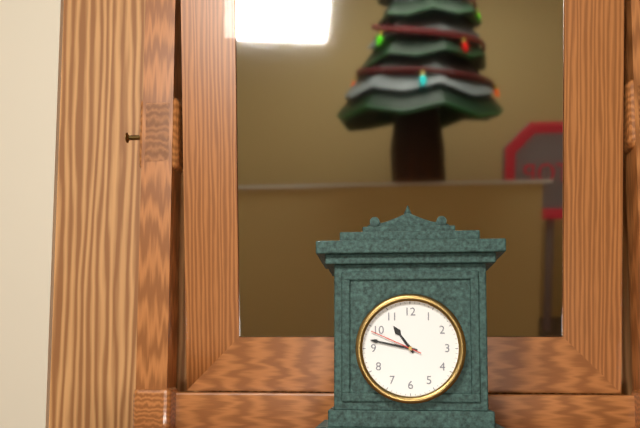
10:47:49
